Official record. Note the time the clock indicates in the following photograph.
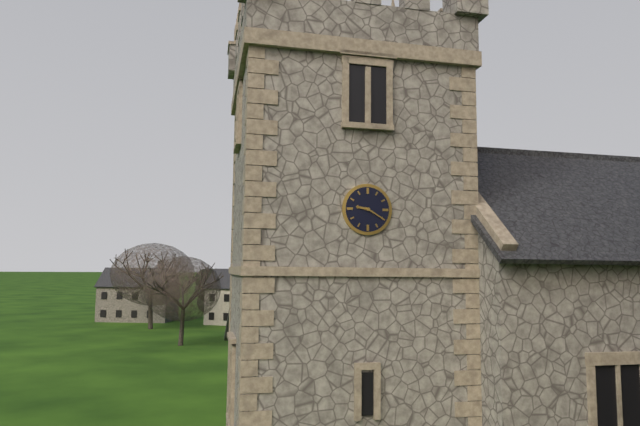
9:20
